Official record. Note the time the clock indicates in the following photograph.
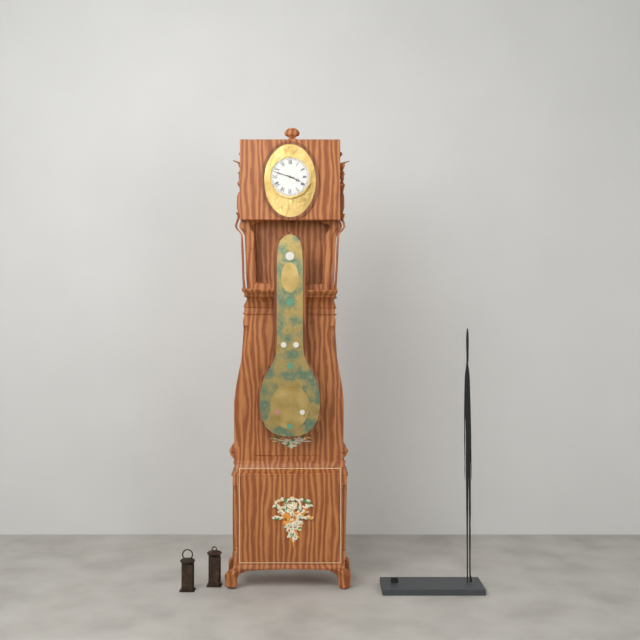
3:48
